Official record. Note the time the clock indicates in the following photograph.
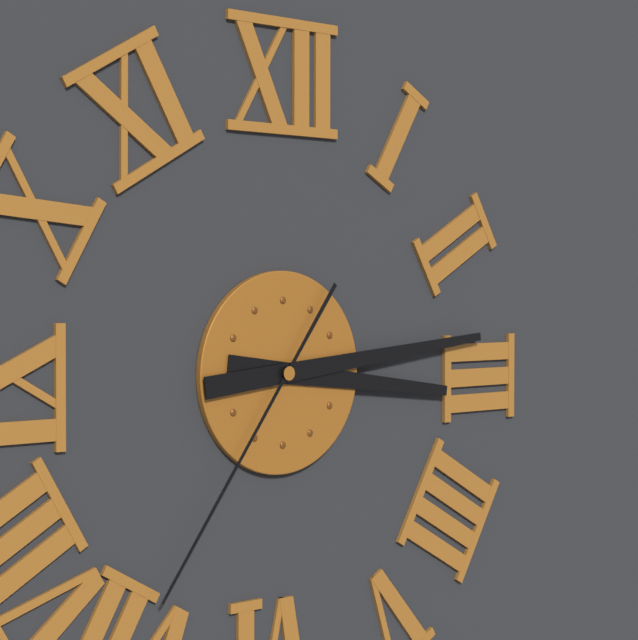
3:14:36
